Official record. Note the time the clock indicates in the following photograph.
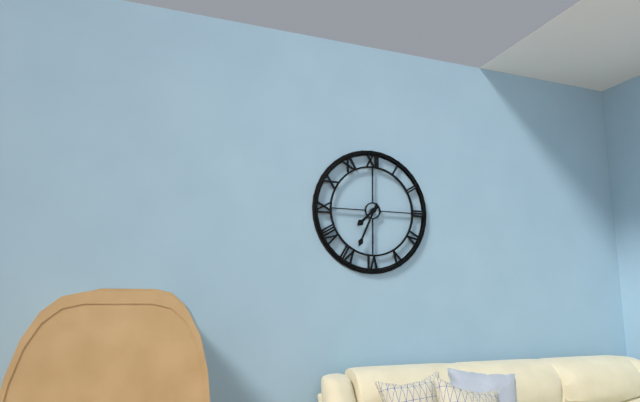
7:34
